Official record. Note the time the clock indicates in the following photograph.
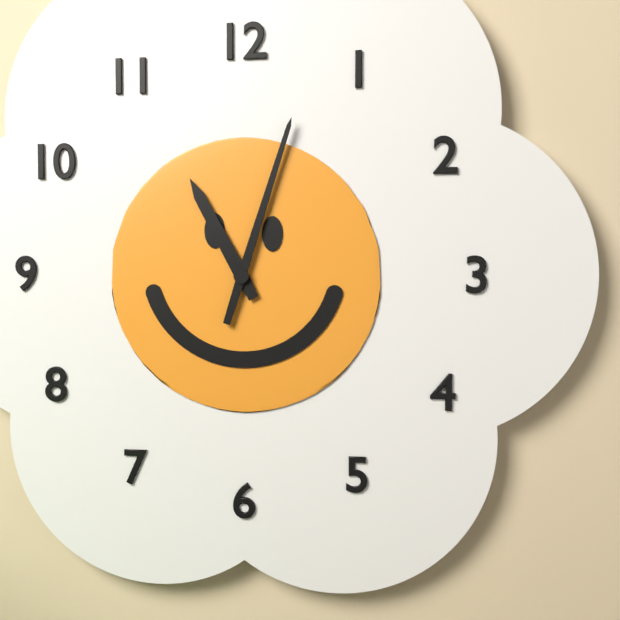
11:03
